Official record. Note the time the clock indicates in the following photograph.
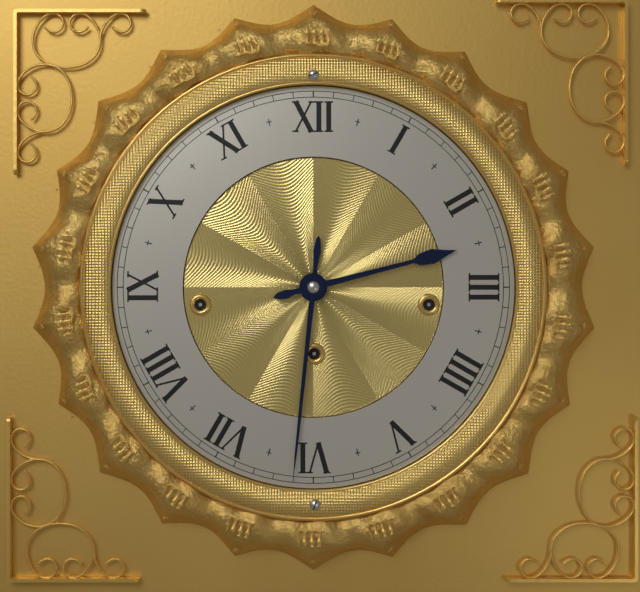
2:31
